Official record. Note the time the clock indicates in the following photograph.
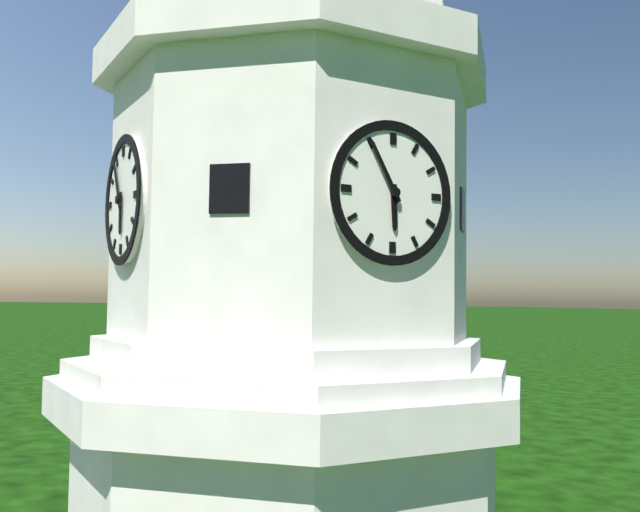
5:55
